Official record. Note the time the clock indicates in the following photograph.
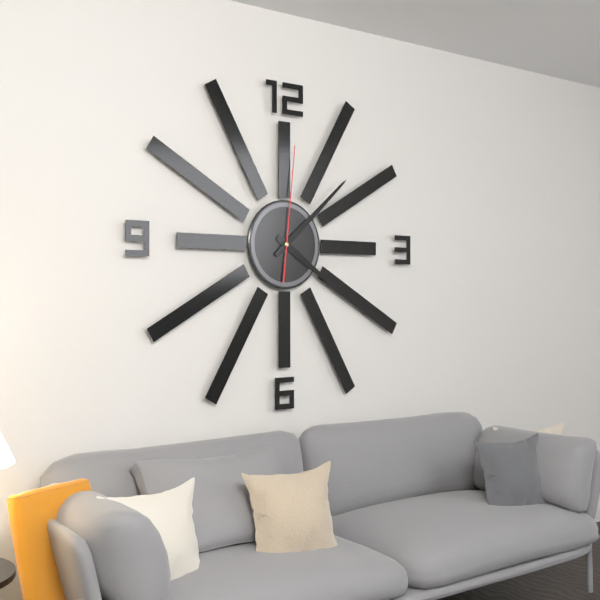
4:08:01
